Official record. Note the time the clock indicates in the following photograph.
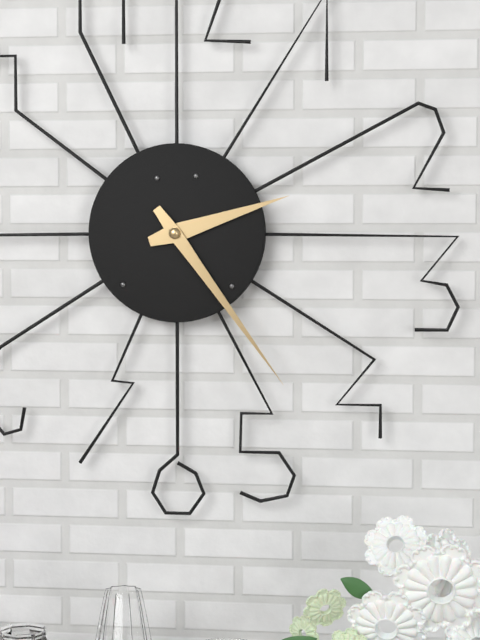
2:24
